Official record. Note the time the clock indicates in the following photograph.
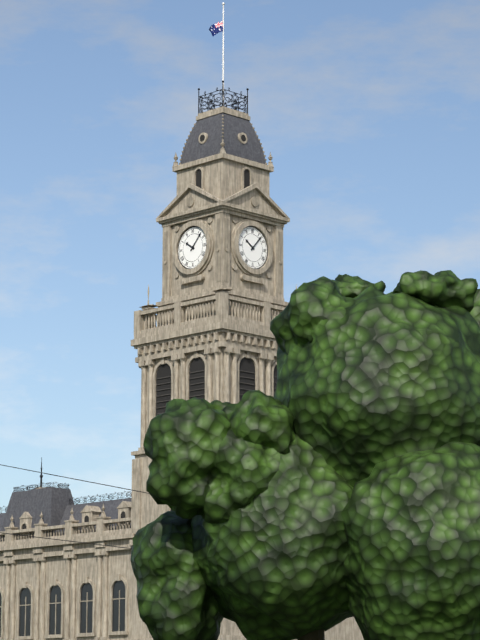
10:07
